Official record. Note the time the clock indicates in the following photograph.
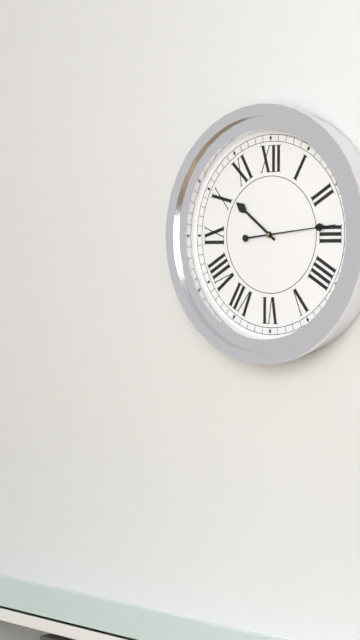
10:14
